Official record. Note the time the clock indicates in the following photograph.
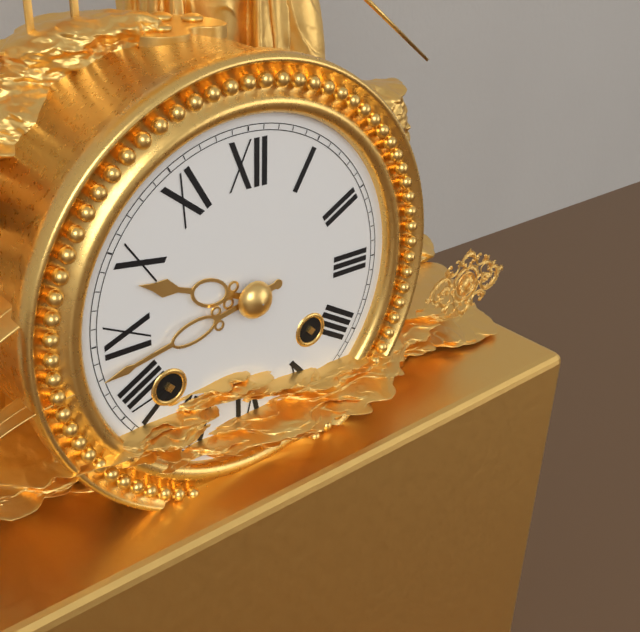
9:43
